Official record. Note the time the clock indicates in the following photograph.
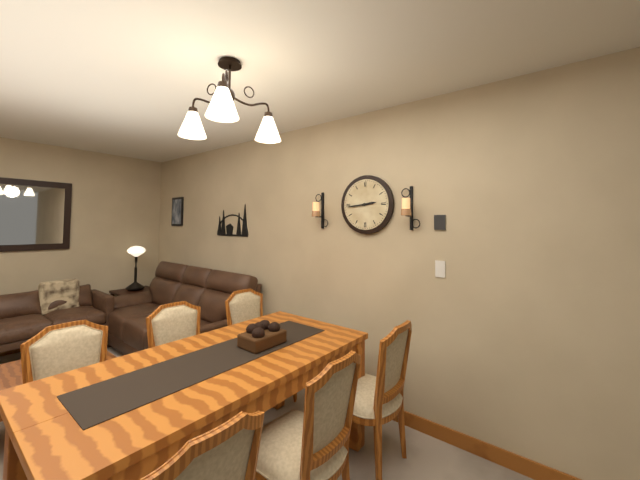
2:44
